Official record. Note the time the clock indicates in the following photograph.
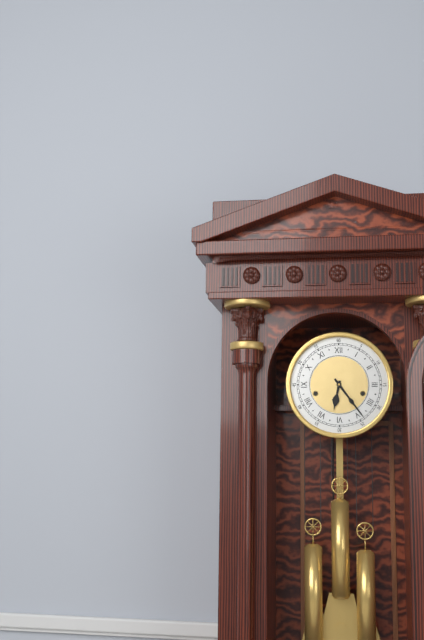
6:24
